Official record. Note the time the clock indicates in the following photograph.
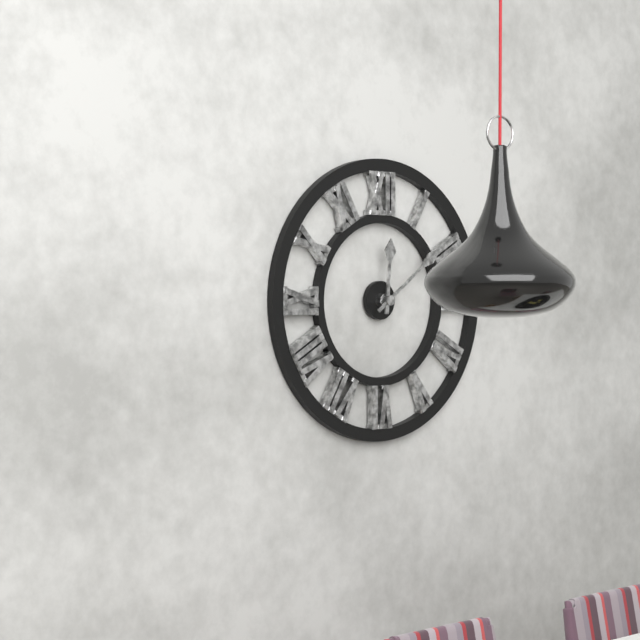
12:09
